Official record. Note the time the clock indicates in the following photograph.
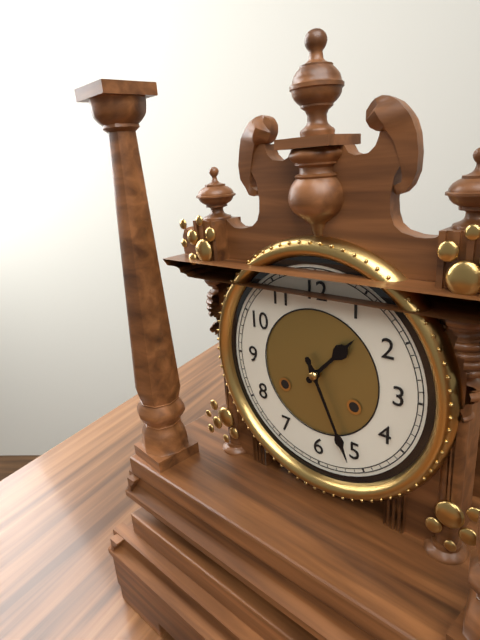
1:26
